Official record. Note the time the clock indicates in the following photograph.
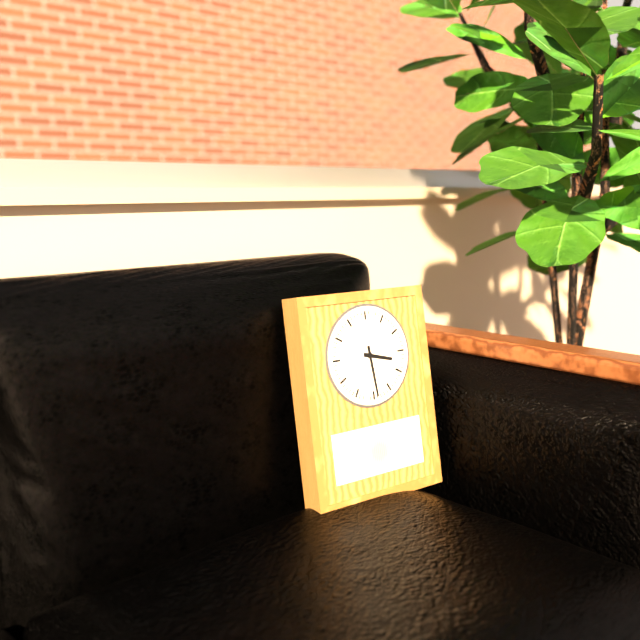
3:29
